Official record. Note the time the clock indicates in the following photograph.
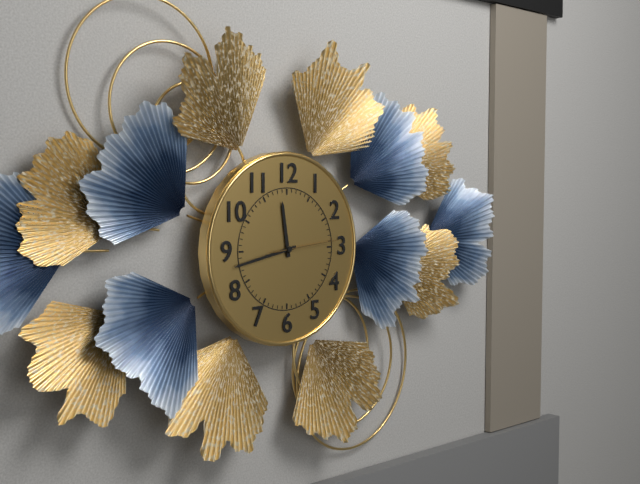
11:43:14
